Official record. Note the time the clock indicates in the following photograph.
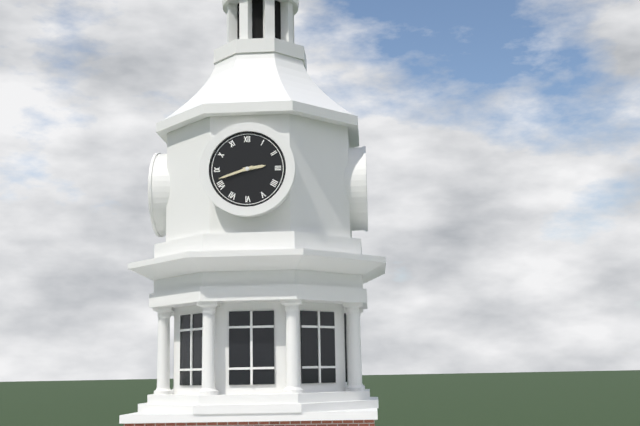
2:42
